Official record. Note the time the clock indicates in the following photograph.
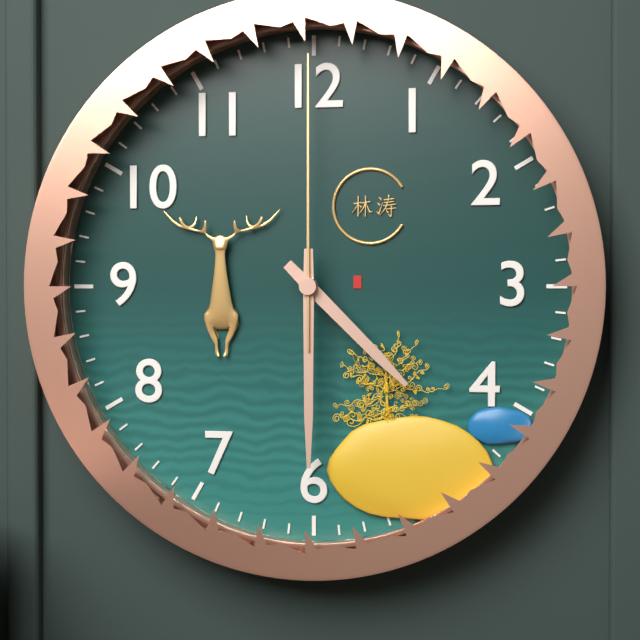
4:30:00
